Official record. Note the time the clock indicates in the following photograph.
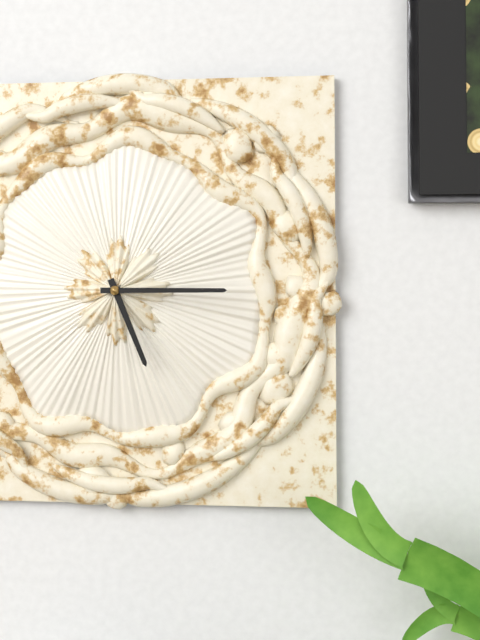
5:15
